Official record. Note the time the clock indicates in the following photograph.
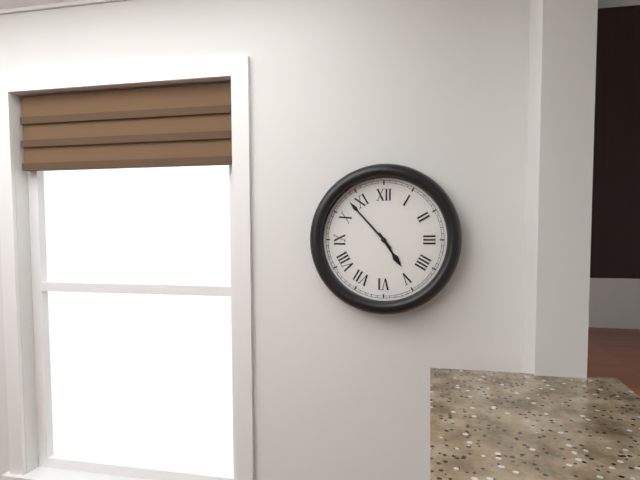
4:53
